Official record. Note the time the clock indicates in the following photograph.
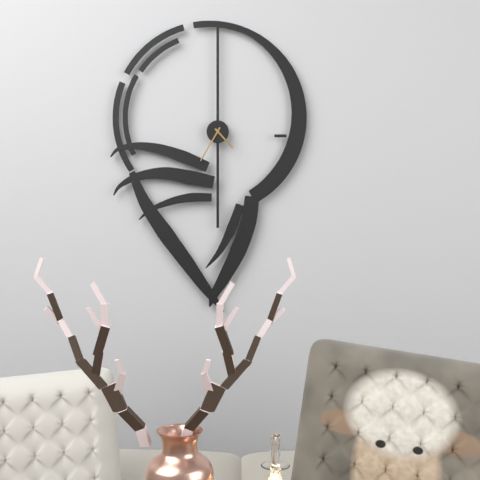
4:35
